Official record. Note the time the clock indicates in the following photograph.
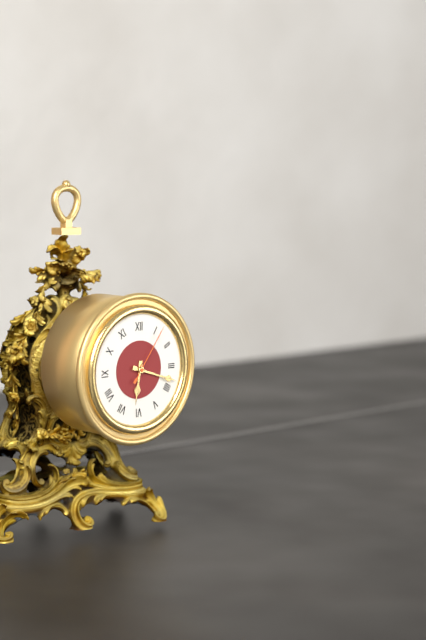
6:18:06
